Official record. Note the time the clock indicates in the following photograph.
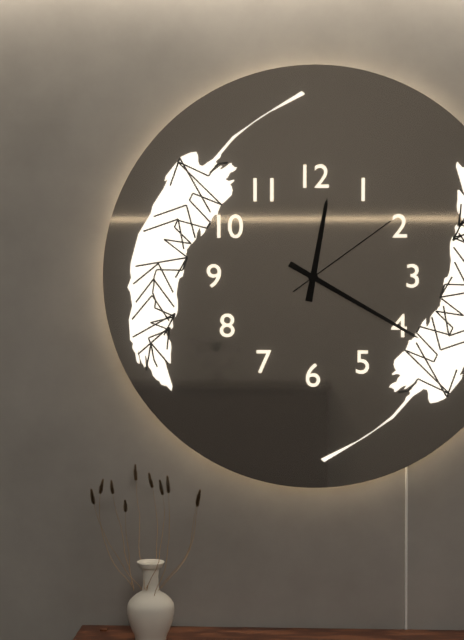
12:20:09
